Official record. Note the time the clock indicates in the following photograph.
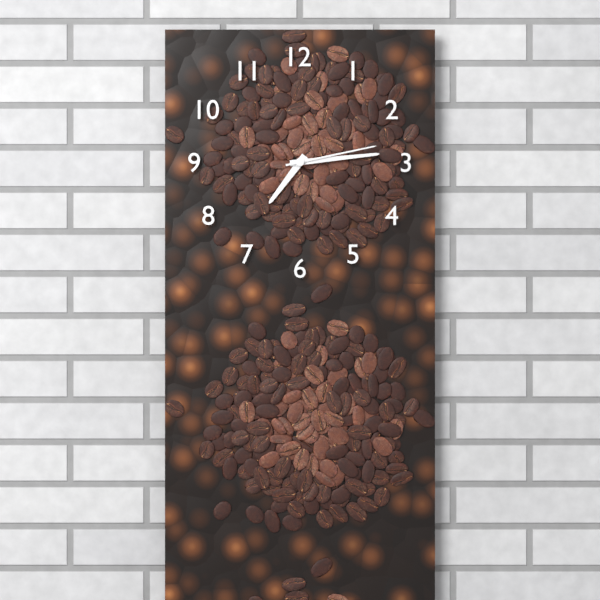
7:14:13
